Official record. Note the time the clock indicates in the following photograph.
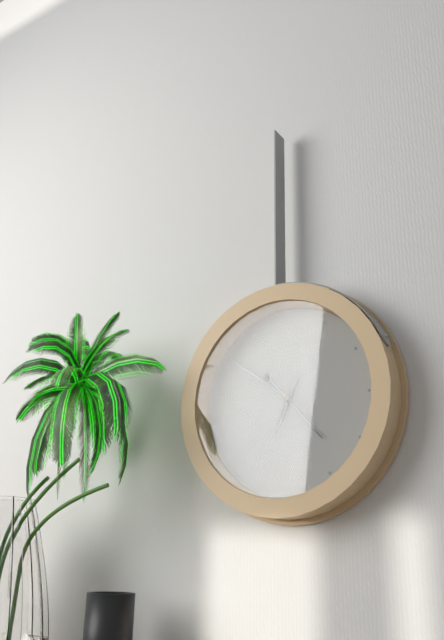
6:51:23
